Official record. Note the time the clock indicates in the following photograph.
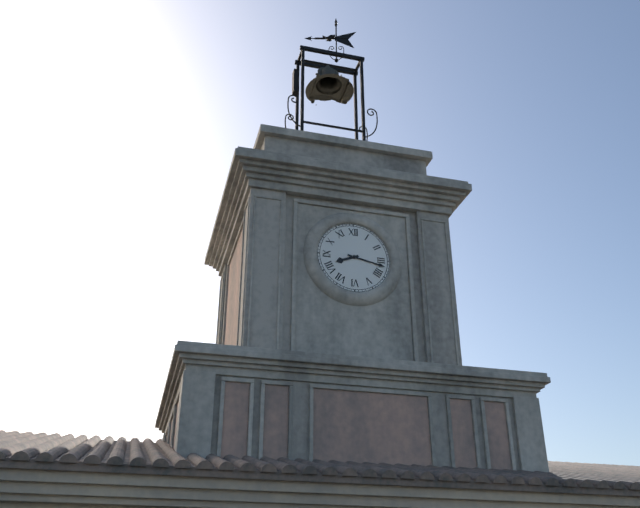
8:17
